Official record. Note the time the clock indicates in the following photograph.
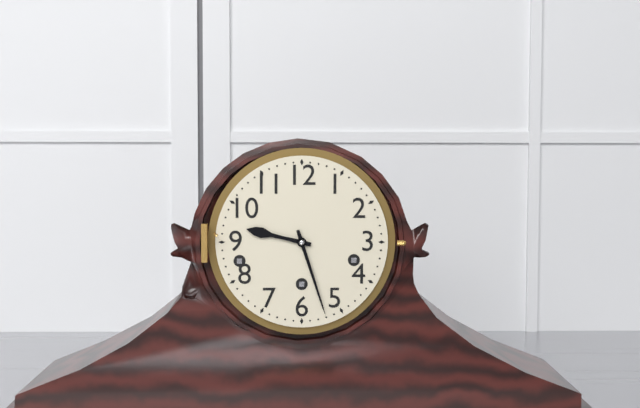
9:27
